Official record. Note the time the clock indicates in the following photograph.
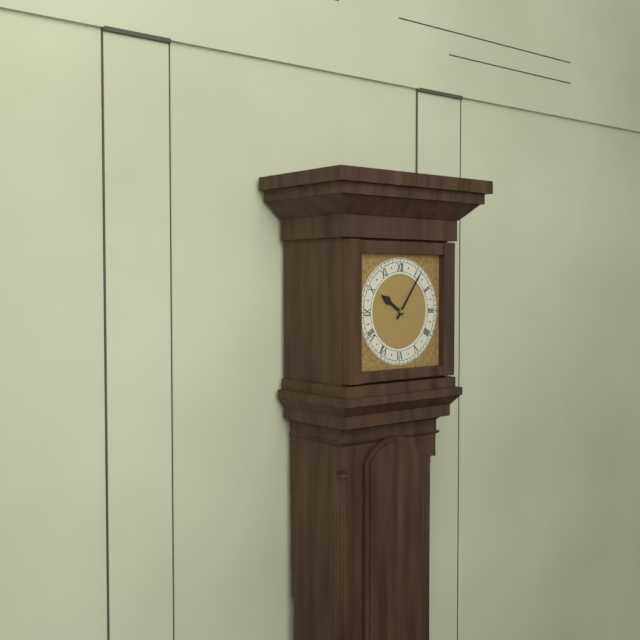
10:06
